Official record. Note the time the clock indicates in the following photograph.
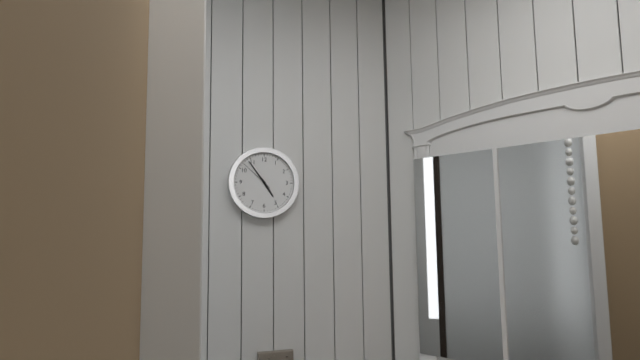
4:54
